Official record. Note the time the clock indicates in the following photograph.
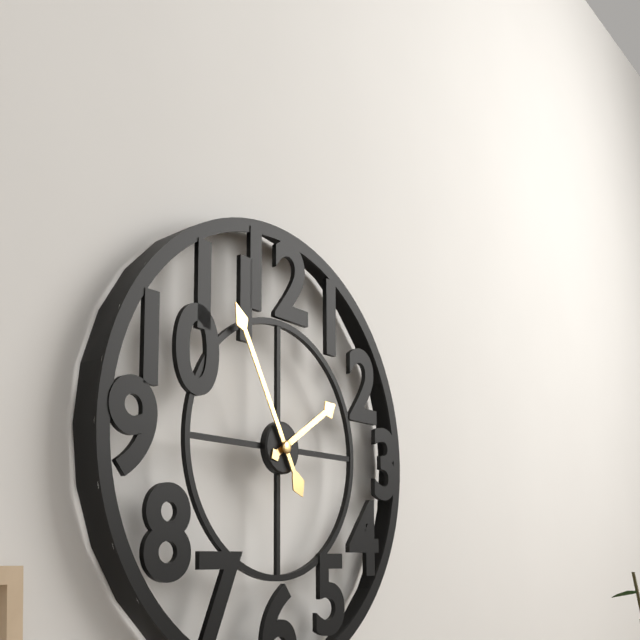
1:55
